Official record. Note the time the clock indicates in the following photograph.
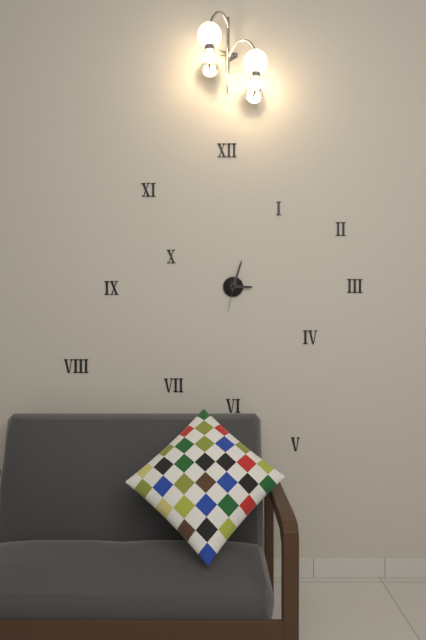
3:03
